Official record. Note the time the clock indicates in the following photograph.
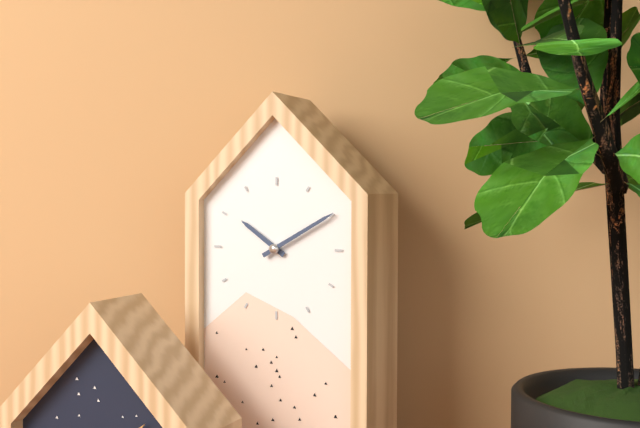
10:10
